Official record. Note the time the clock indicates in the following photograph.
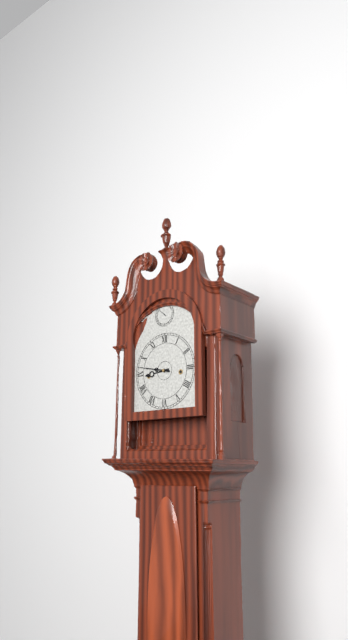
8:47
